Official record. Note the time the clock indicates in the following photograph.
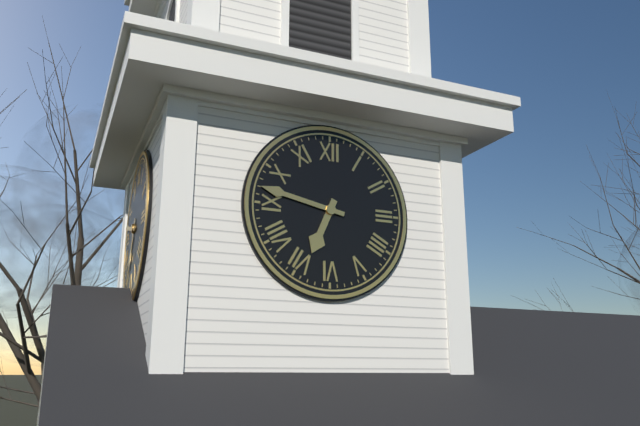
6:47
